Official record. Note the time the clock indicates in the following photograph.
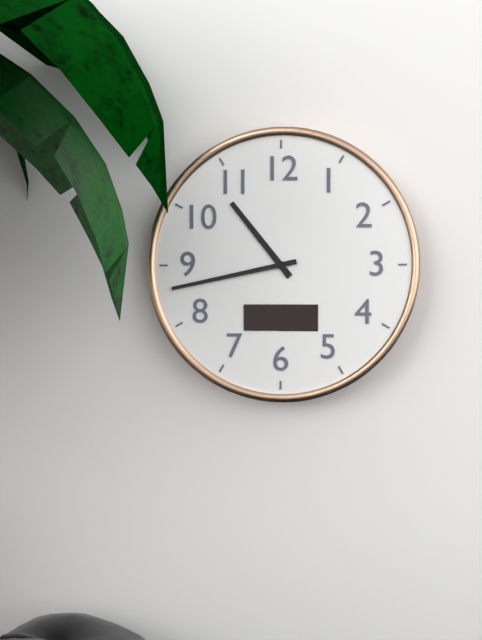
10:43
